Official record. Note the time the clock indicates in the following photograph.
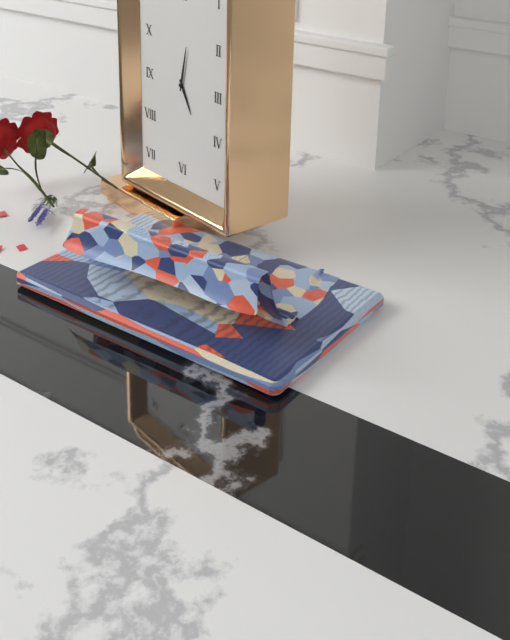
5:02
